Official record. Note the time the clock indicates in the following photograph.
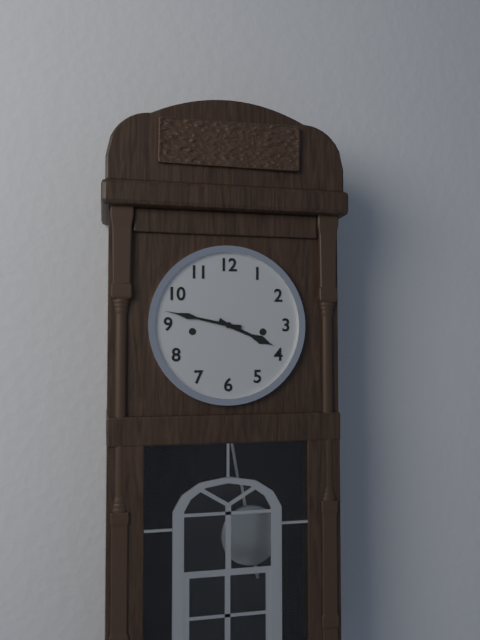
3:47
